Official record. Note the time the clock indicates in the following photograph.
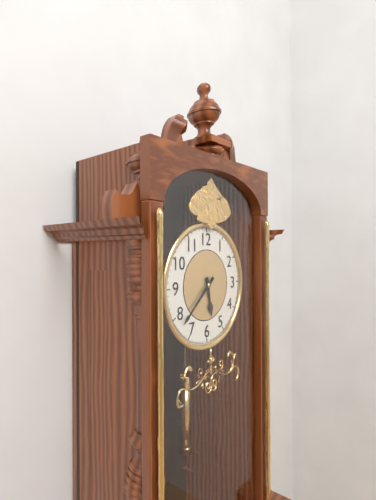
5:38
